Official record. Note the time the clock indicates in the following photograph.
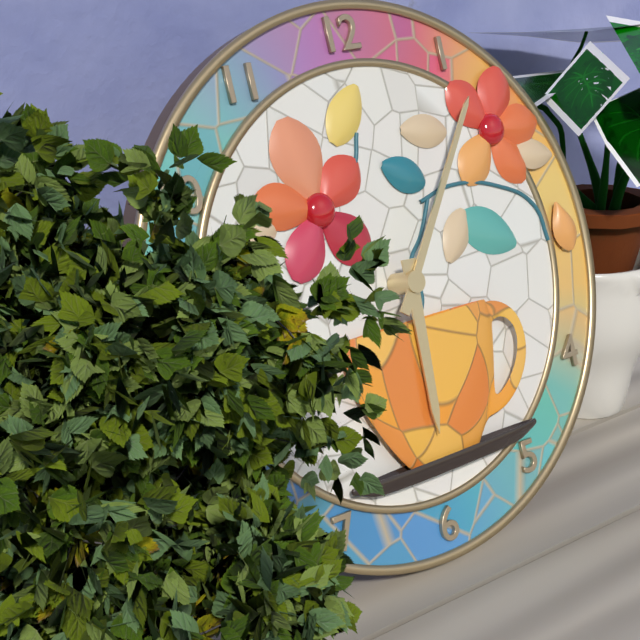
6:06
